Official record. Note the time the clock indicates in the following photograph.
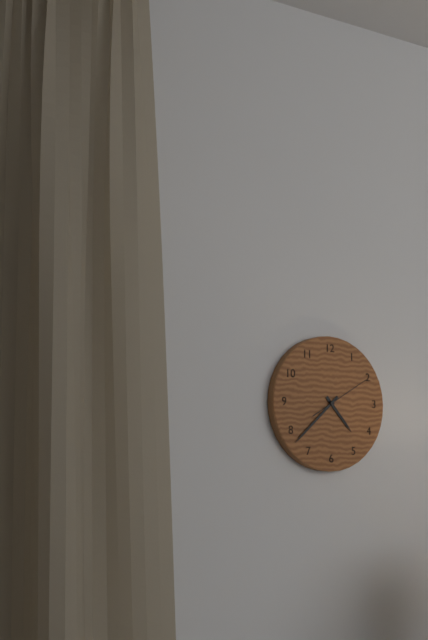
4:38:10
